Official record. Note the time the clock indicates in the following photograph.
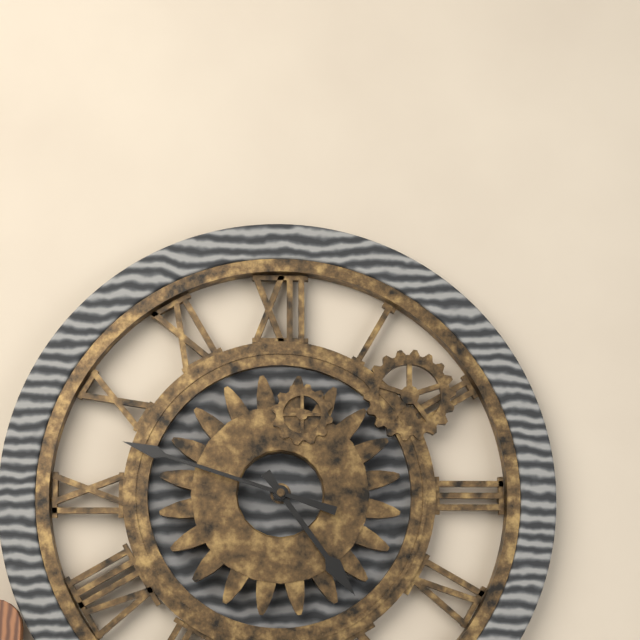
4:48
